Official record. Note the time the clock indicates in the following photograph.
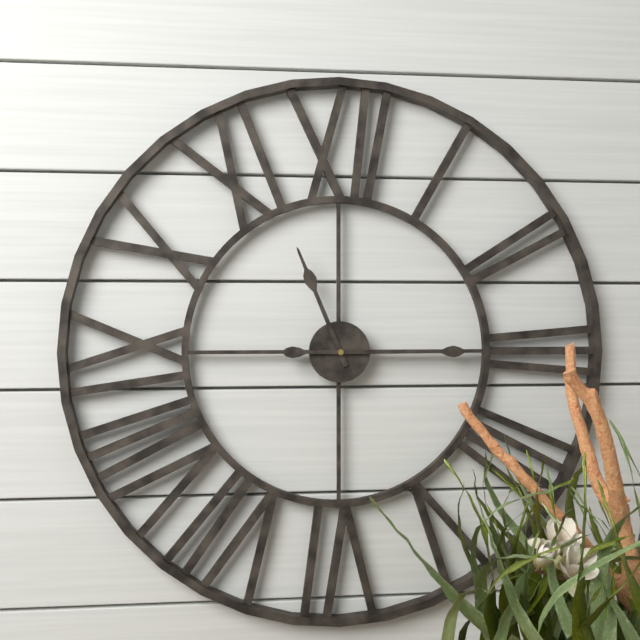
11:15
